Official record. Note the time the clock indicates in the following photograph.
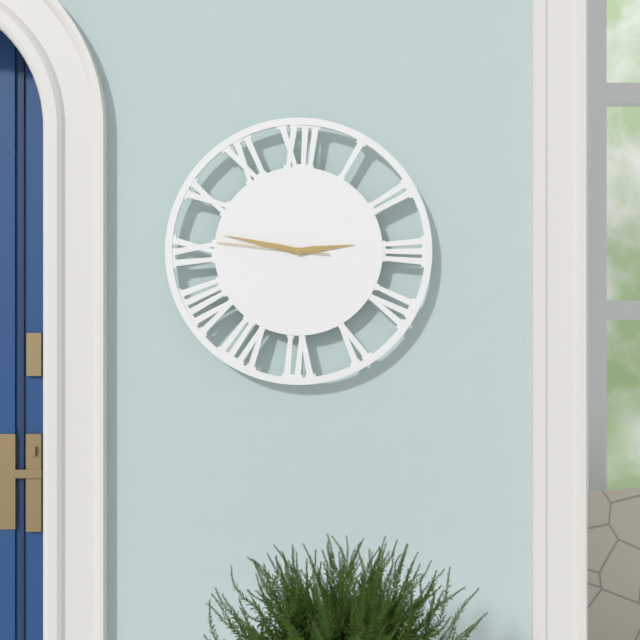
2:47:46
